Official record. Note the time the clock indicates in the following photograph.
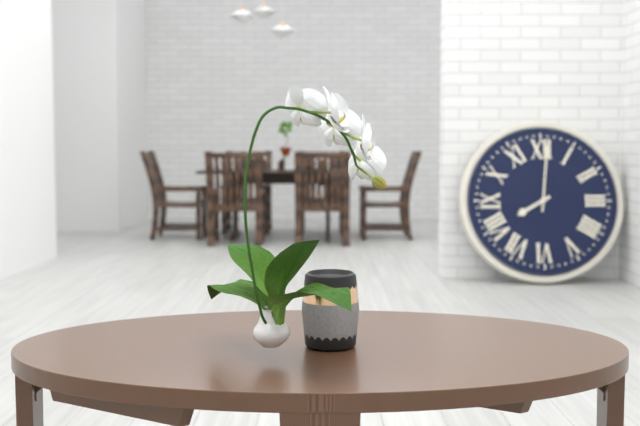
8:01
